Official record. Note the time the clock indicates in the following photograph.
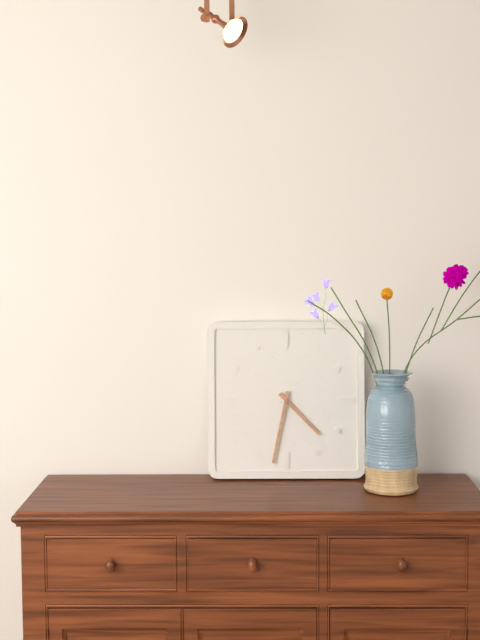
4:32
